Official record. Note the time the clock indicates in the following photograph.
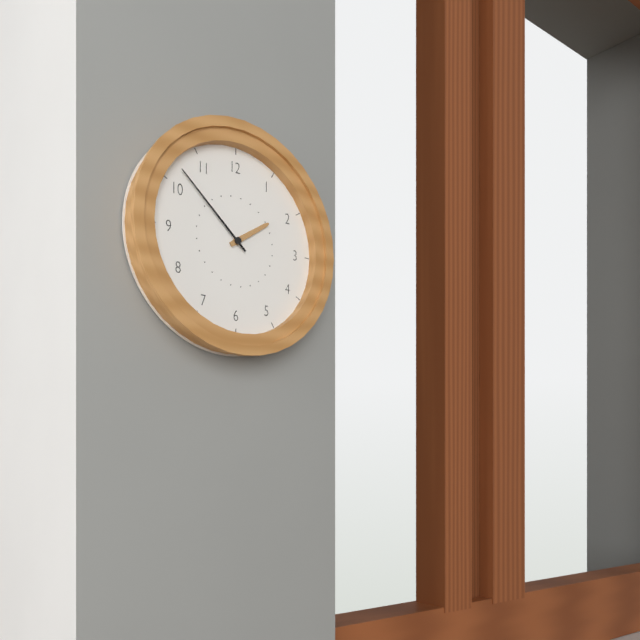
1:52
